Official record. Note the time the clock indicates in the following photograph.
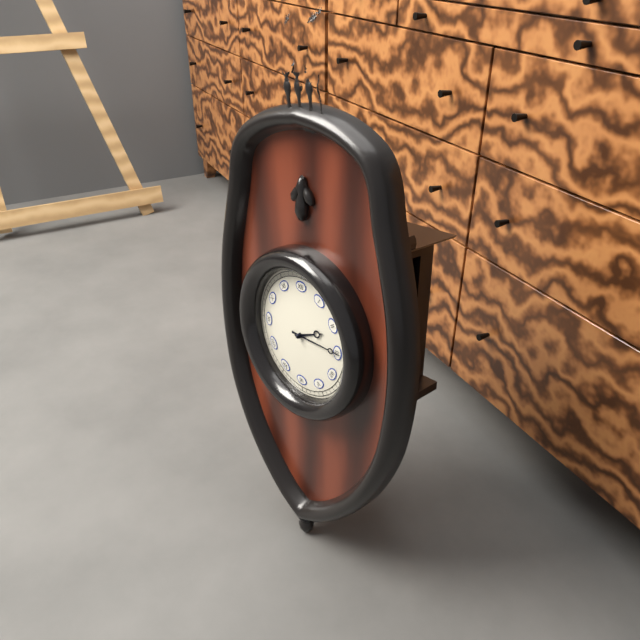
2:15
